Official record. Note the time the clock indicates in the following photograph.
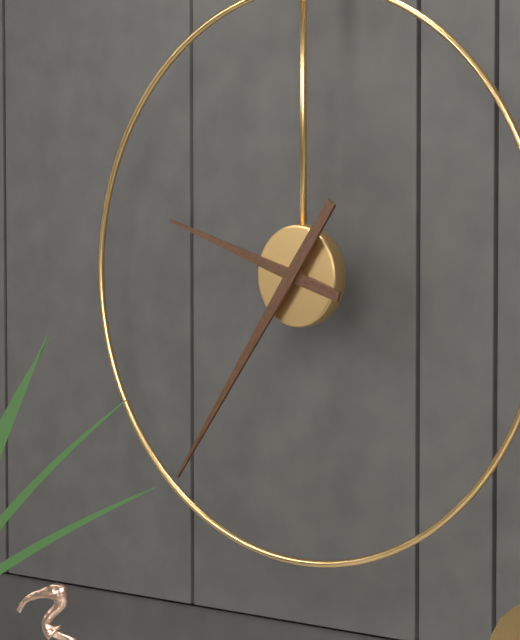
9:36
